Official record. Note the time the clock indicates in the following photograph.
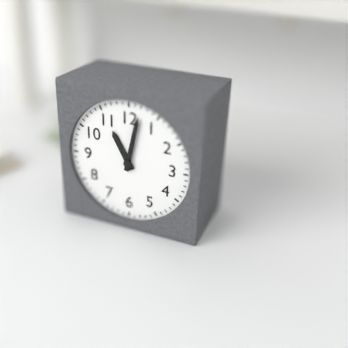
11:02
